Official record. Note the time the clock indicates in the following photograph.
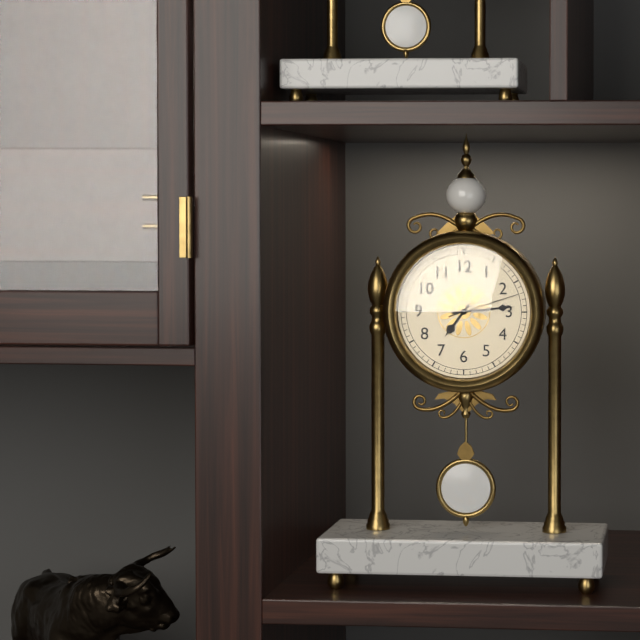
7:14:12
